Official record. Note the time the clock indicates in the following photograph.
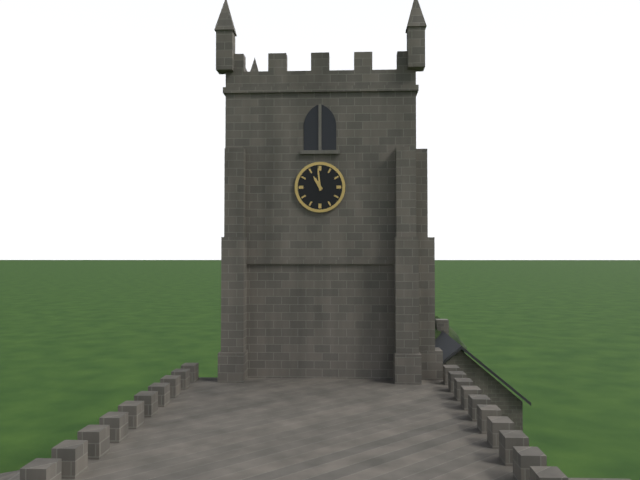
10:59
